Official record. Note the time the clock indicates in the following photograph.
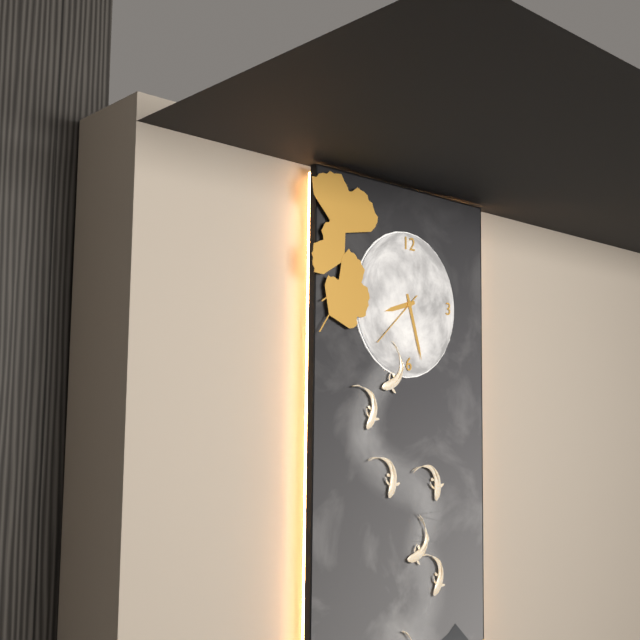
8:27:38
